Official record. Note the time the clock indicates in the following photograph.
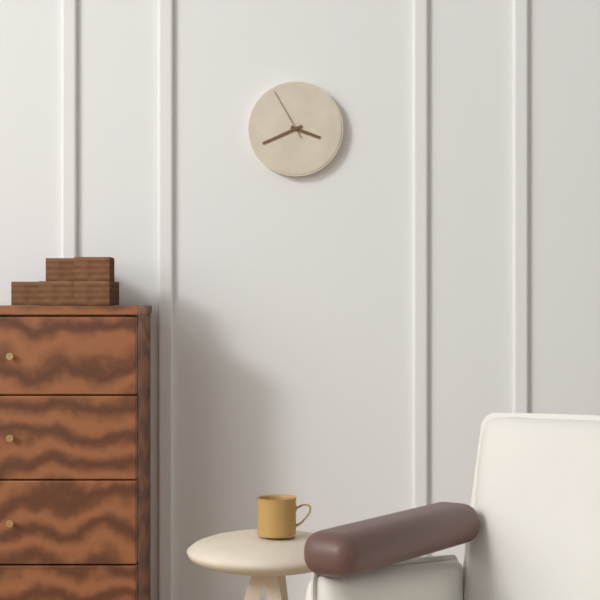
3:41:55
